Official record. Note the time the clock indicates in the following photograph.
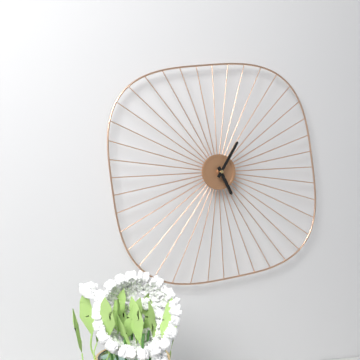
5:05
